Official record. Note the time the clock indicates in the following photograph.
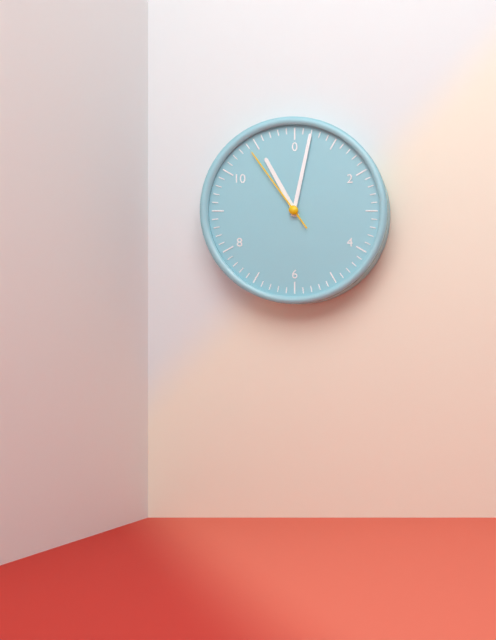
11:02:54
